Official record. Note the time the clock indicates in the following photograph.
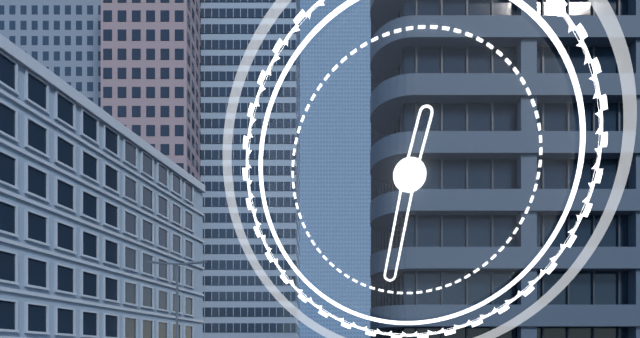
12:32
